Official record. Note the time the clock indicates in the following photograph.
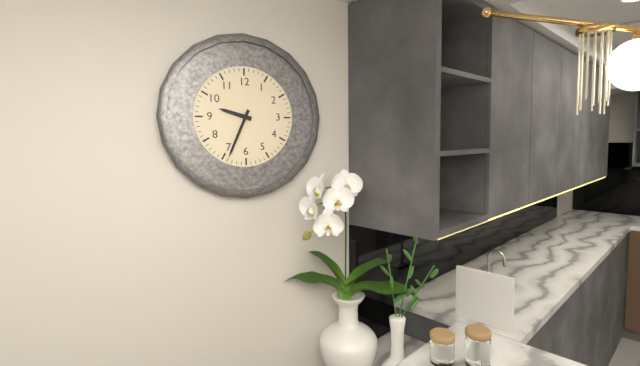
9:34
